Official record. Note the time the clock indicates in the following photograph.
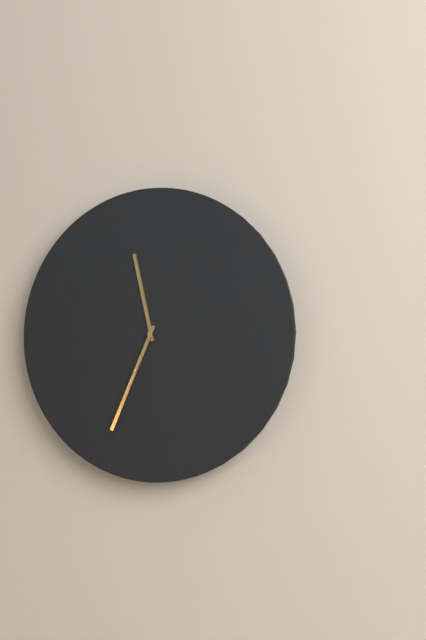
11:34
